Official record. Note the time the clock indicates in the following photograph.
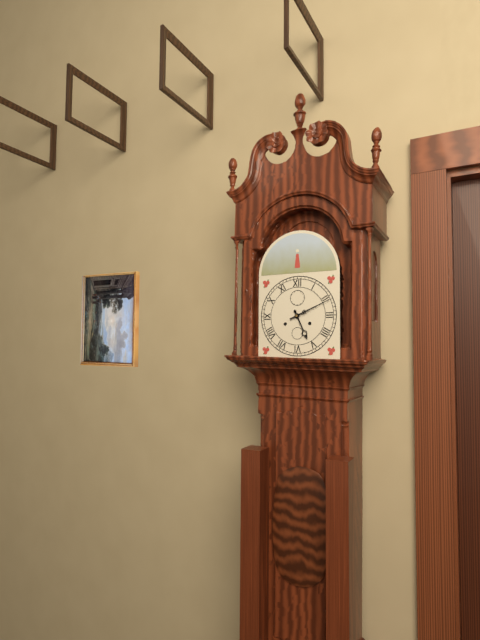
5:11
